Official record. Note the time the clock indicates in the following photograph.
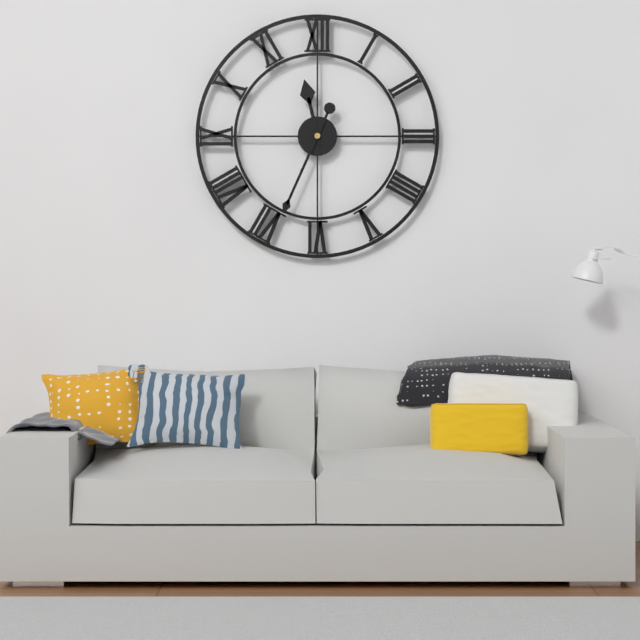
11:34
